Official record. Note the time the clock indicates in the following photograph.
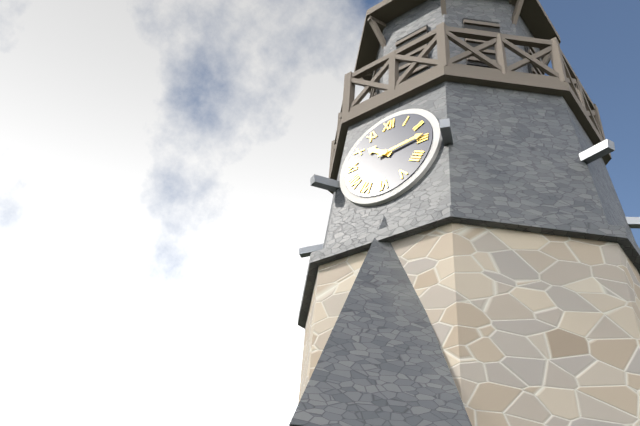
10:14
